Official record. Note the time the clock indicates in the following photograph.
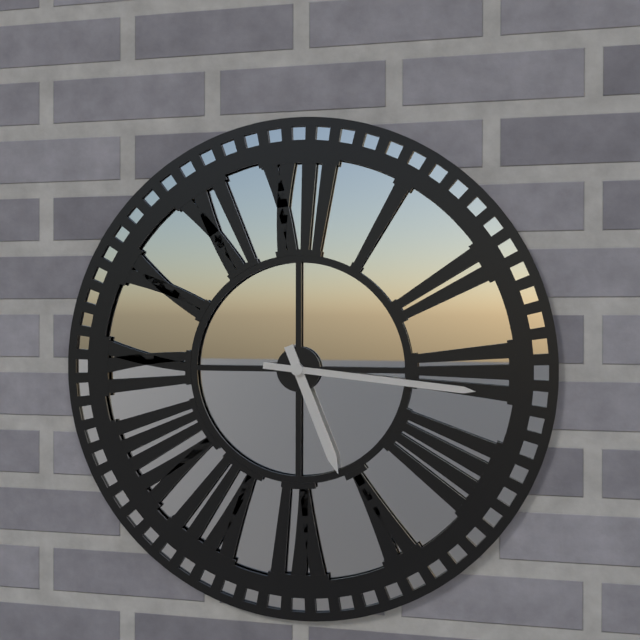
5:16
